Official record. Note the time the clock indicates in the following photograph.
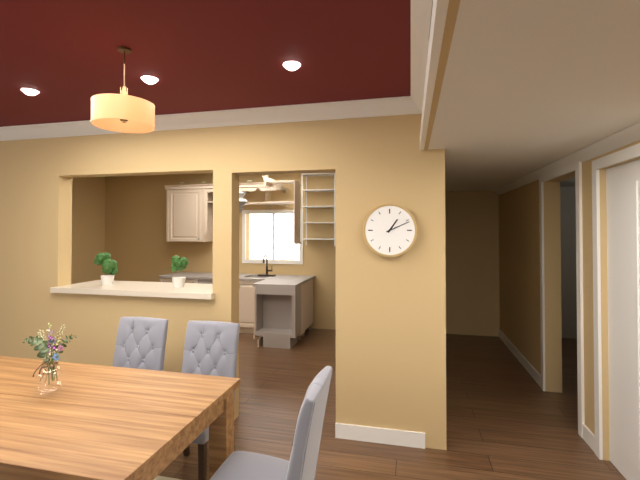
1:11
